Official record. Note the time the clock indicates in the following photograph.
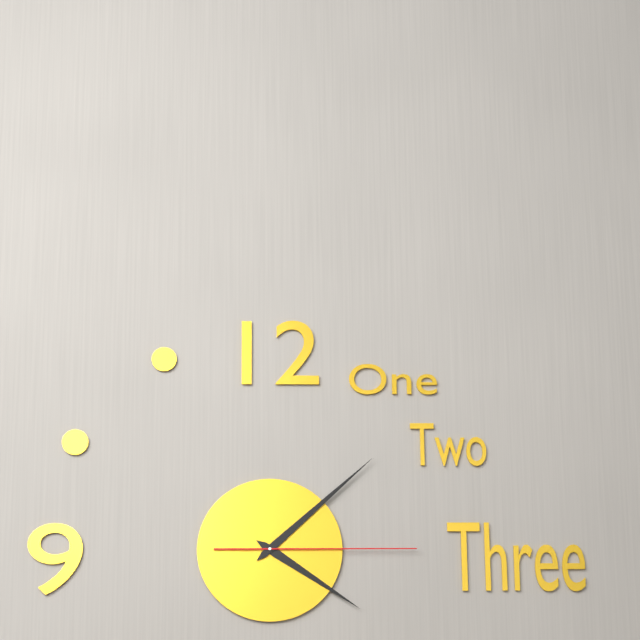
4:08:15
